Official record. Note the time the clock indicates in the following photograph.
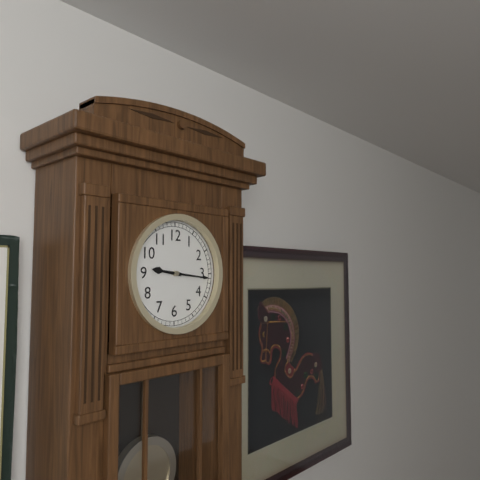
9:16
